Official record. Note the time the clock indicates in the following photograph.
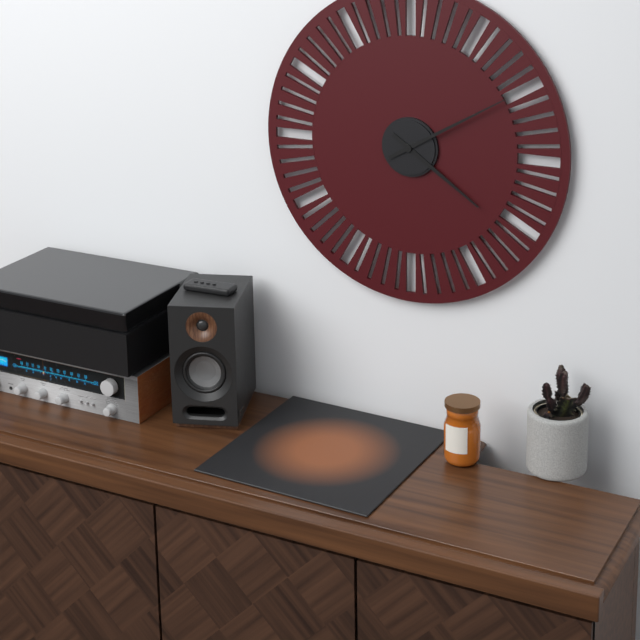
4:10
